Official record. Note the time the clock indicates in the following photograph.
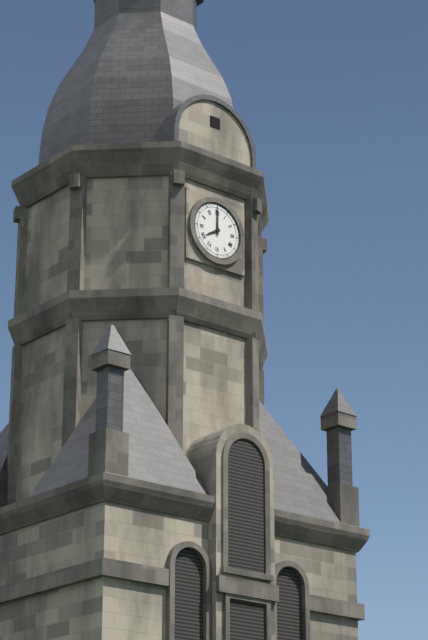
8:00
